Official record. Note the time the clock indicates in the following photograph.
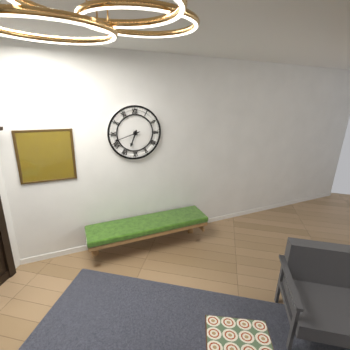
6:42
